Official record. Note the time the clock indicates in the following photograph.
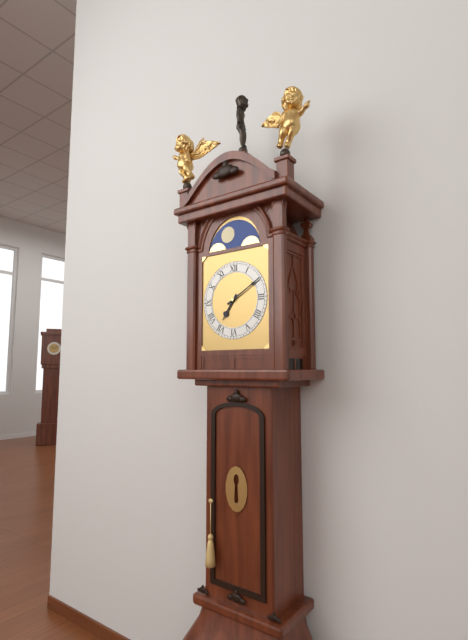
7:10
